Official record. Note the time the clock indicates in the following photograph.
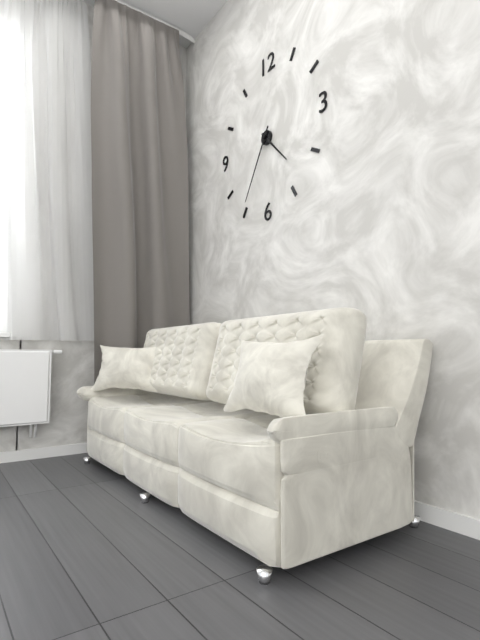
4:35
